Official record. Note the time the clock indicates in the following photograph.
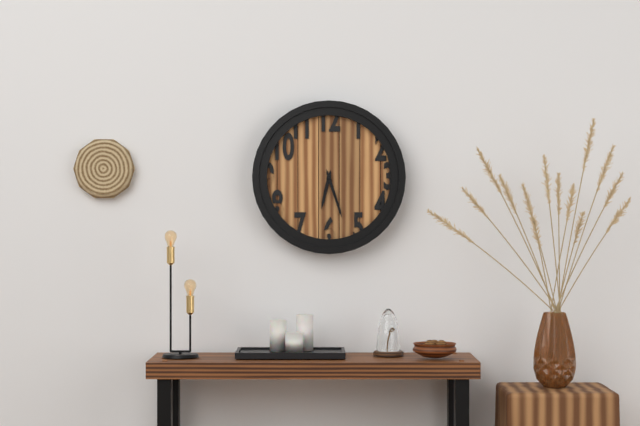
6:27
